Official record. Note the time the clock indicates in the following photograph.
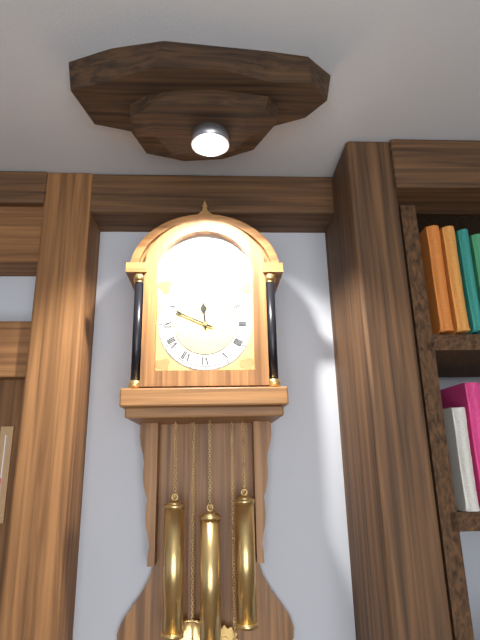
11:49
